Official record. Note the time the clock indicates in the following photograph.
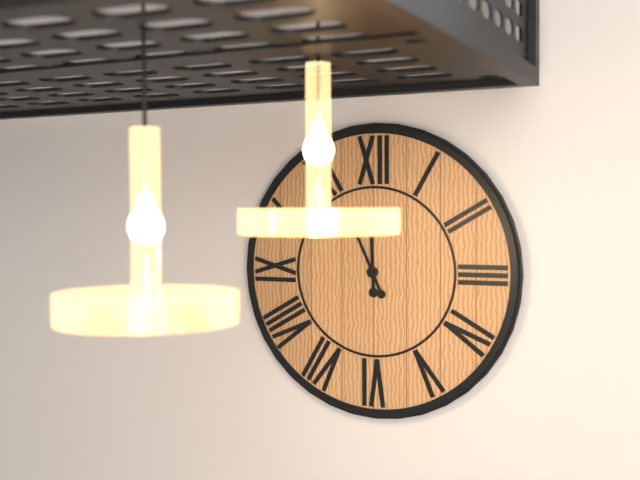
11:56
